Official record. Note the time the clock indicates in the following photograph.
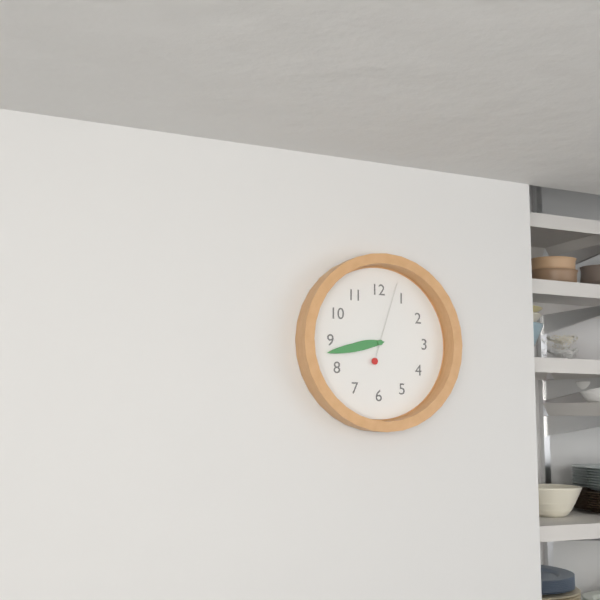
8:43:03
